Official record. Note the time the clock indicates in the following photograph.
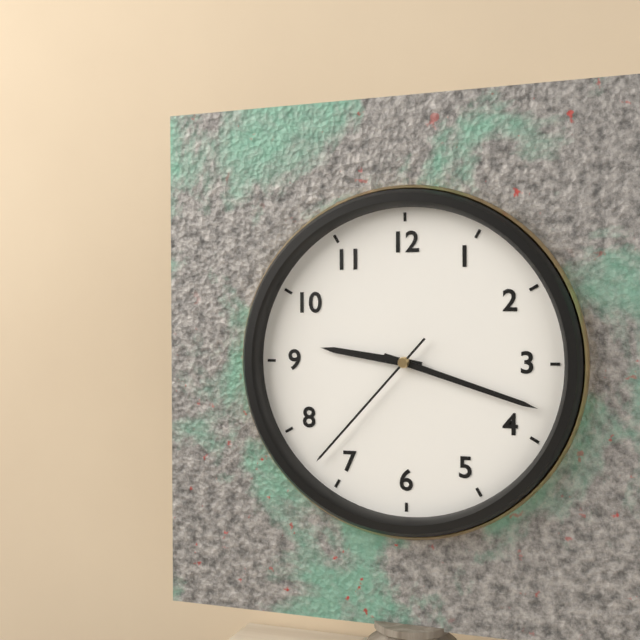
9:18:37
